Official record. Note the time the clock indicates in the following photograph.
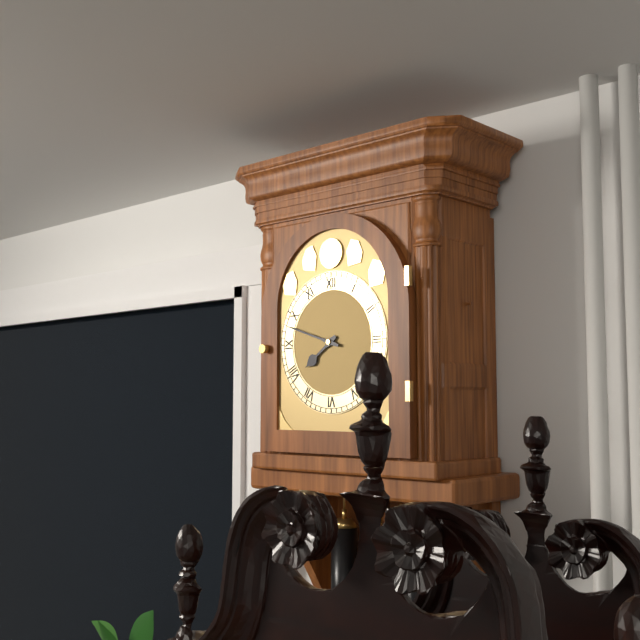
7:48
